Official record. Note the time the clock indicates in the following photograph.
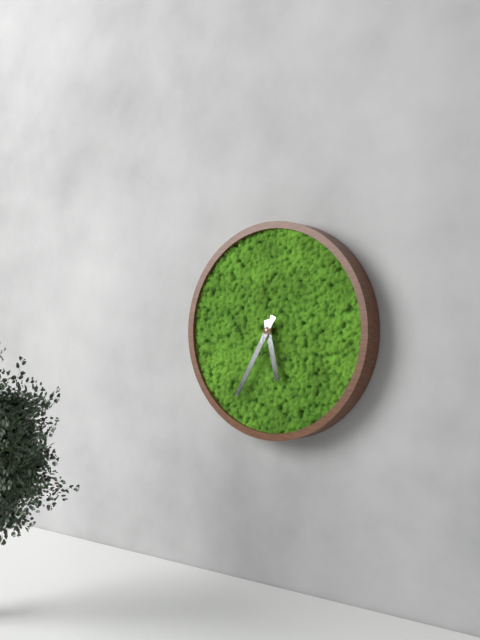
5:35
